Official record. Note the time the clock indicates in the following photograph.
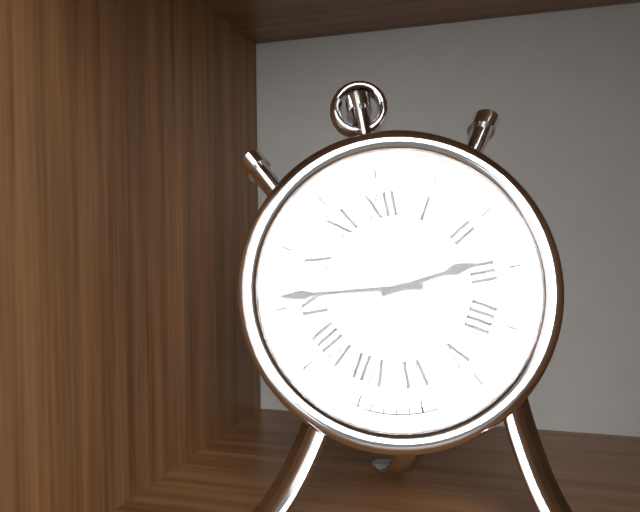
2:46
